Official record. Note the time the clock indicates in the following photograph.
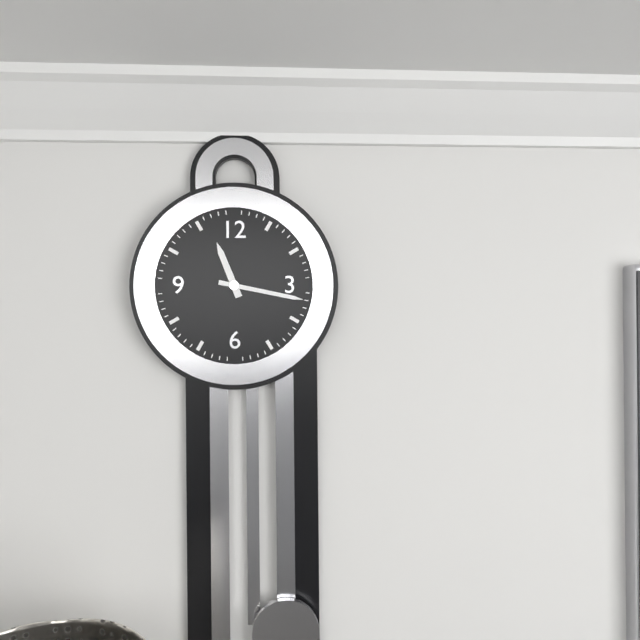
11:17
